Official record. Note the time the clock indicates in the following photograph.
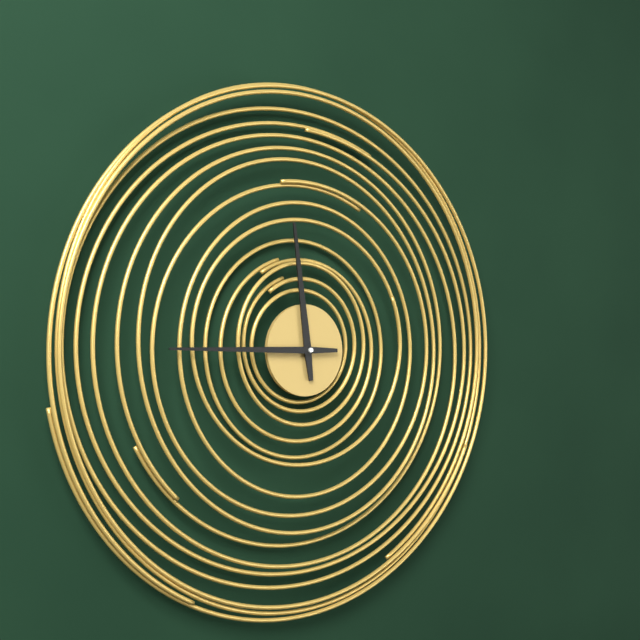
11:45
